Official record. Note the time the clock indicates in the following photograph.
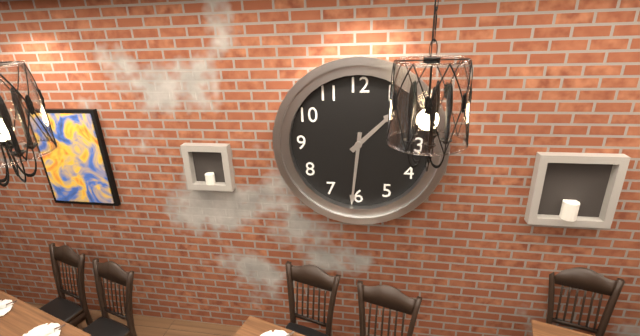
1:31
